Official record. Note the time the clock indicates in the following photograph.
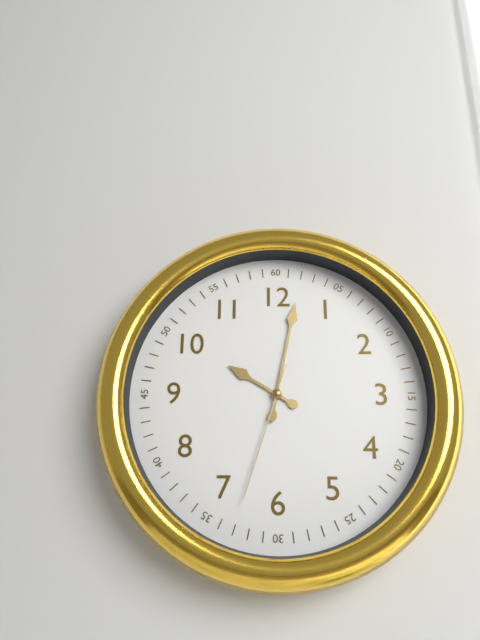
10:02:33
